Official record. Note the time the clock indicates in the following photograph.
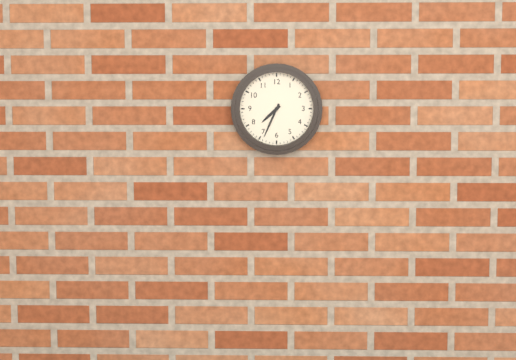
7:34
